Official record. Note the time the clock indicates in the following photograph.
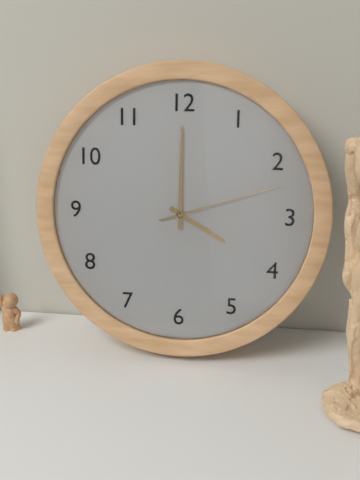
4:00:12
